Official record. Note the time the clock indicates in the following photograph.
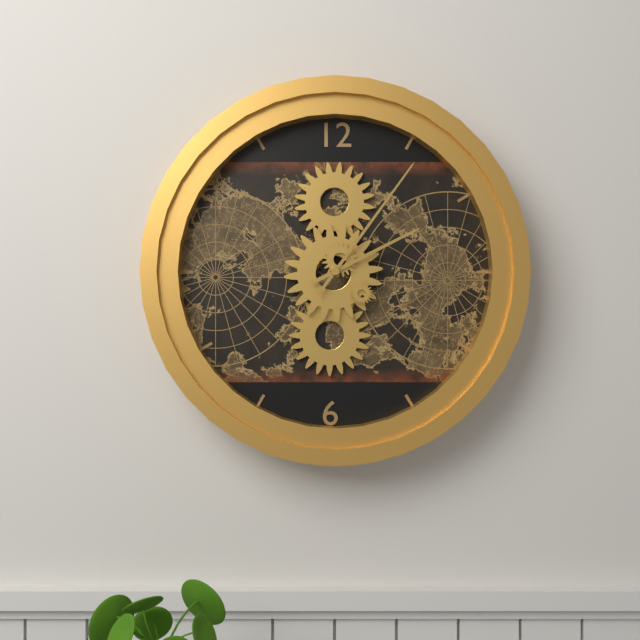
2:06
